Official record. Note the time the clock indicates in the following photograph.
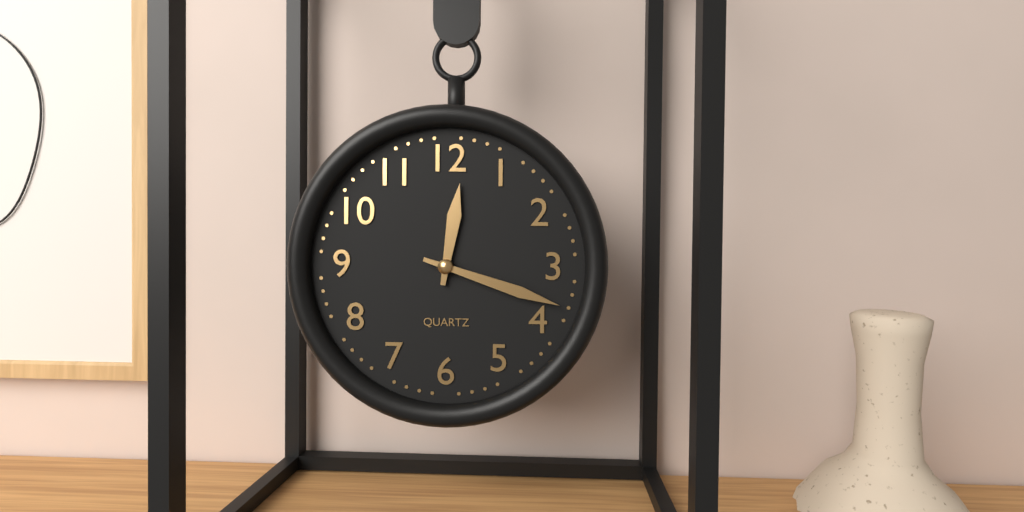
12:18
